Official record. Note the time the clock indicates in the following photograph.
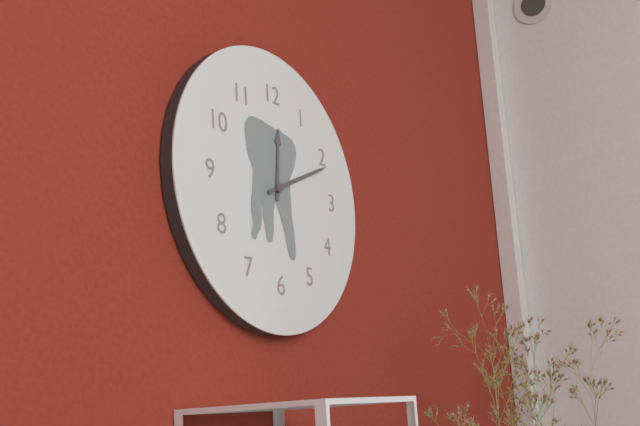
12:11
